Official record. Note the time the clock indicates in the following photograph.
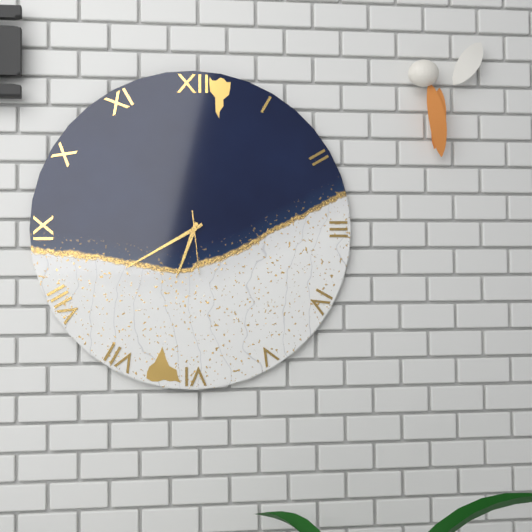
6:40:29
